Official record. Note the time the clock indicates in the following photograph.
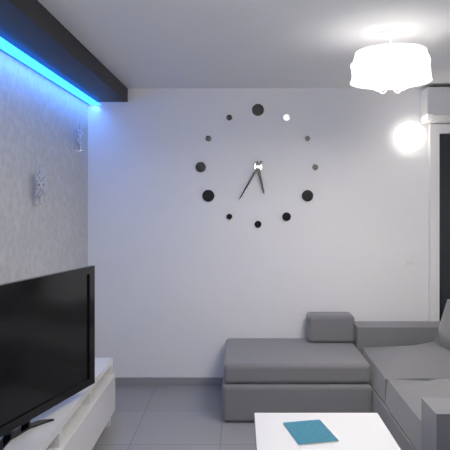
5:35
